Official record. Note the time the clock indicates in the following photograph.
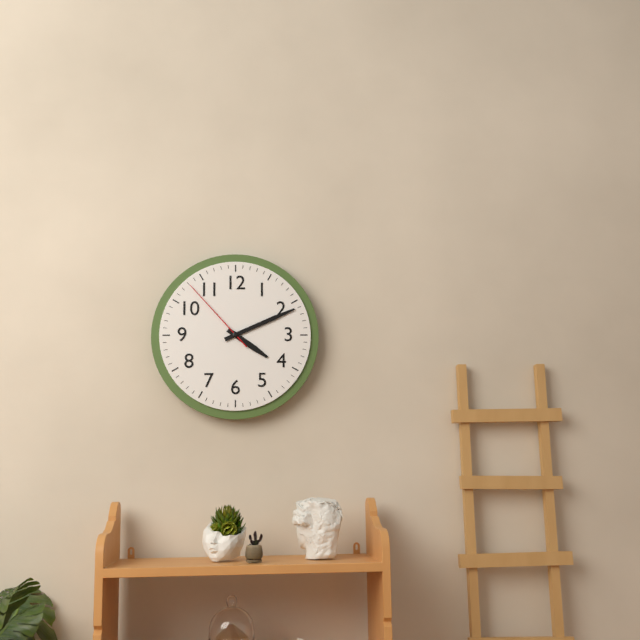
4:11:53
